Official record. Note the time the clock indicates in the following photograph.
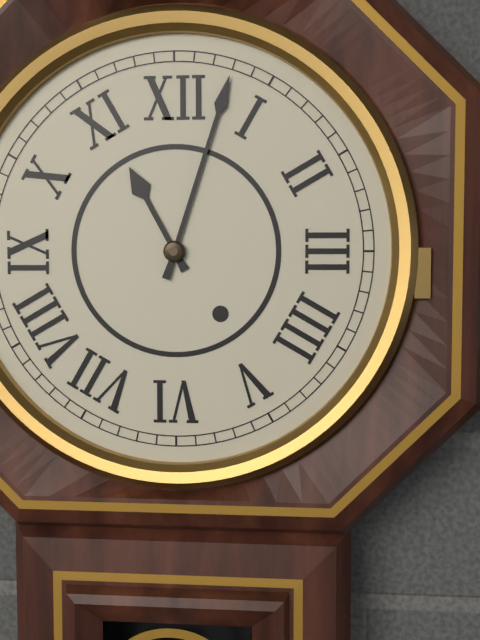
11:03
